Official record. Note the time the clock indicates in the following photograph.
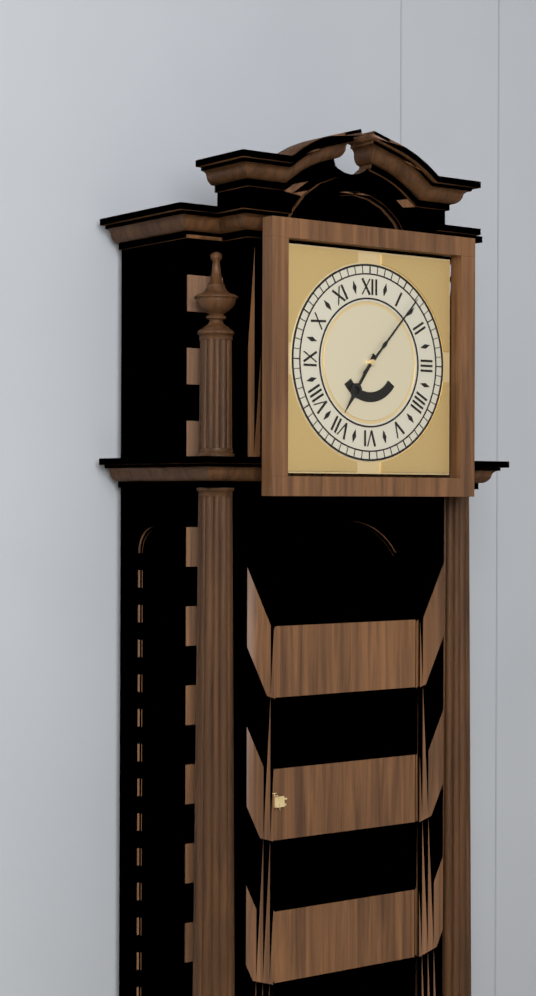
7:07
